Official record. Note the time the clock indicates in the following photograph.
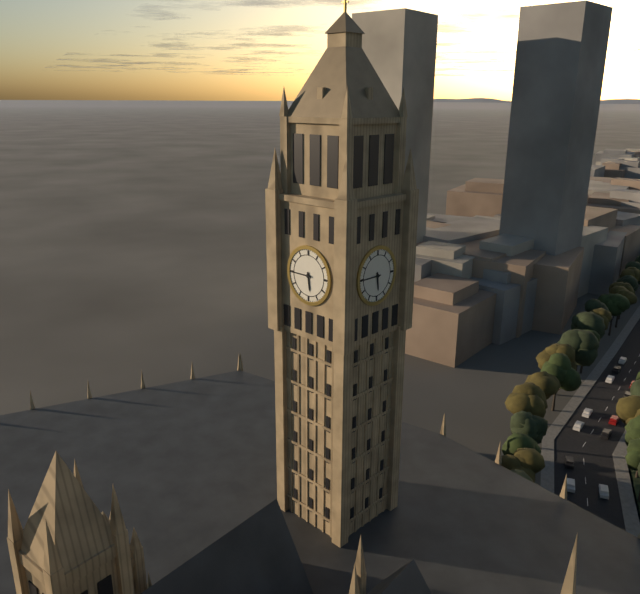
5:45
